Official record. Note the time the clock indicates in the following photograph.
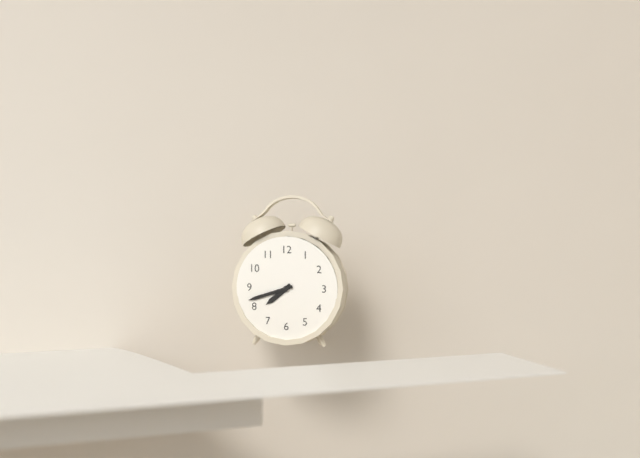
7:42
